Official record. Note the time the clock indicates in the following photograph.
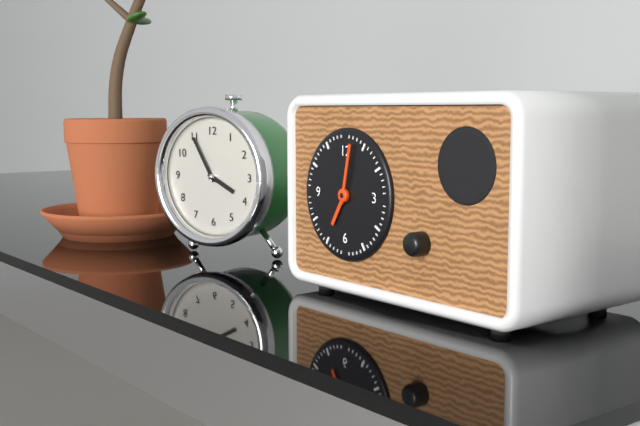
7:02
